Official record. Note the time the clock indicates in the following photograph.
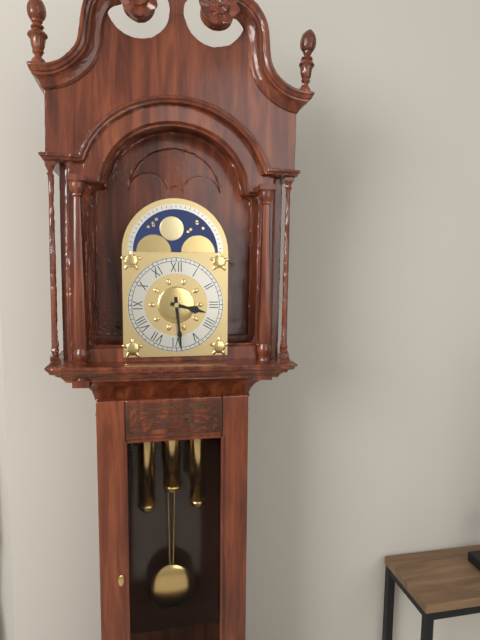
3:29
